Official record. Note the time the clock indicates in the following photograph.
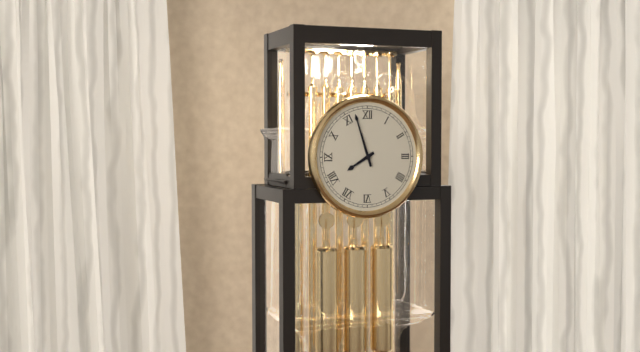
7:57
